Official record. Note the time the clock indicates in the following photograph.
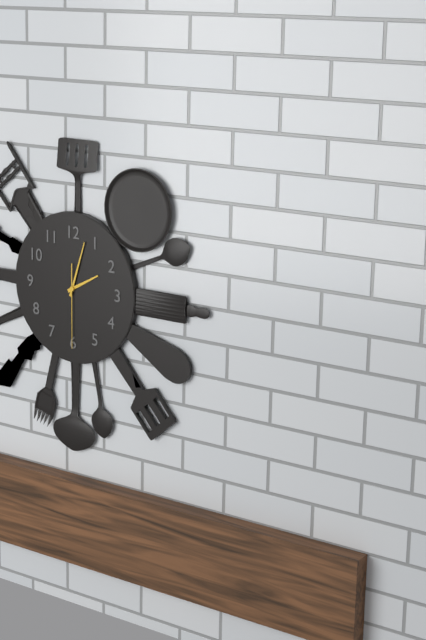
2:03:30
